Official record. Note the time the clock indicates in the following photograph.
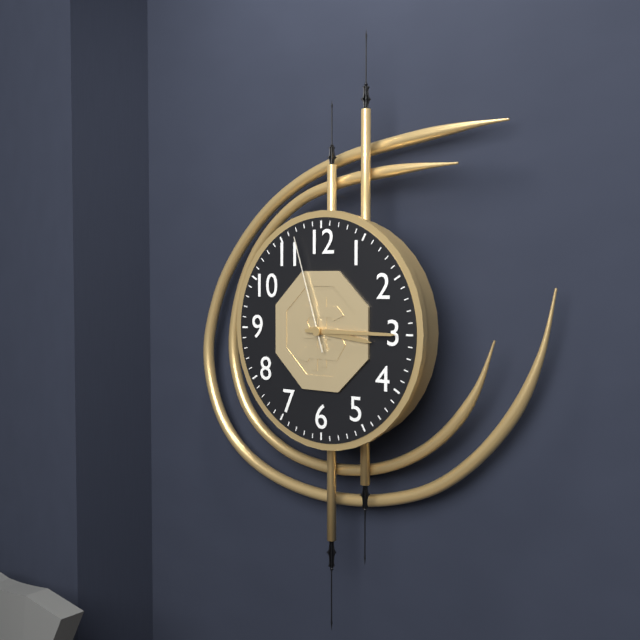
3:15:57
